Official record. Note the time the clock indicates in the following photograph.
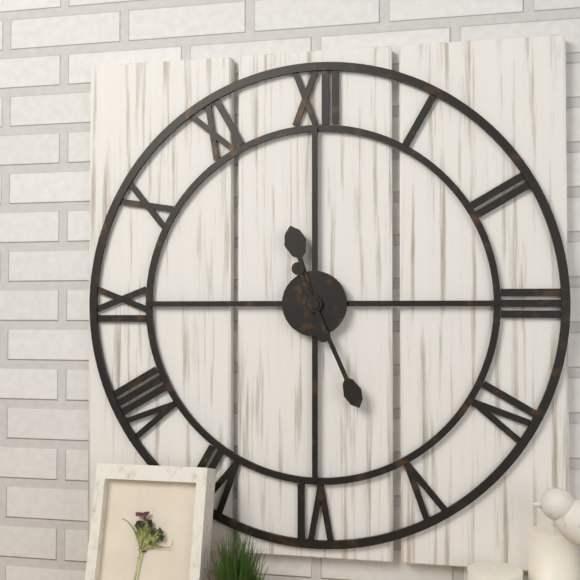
11:26
